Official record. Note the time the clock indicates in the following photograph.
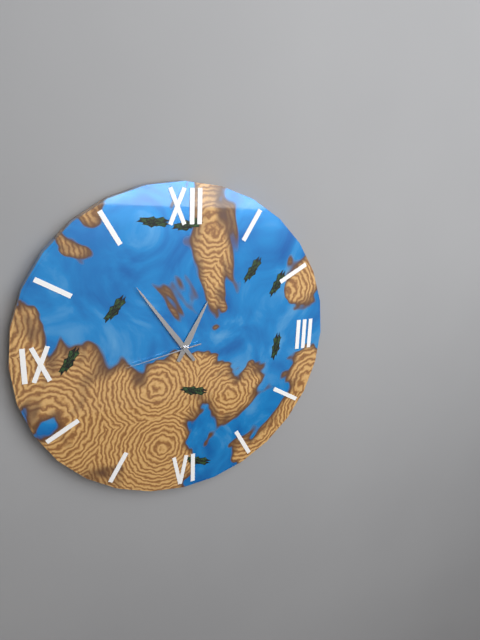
12:54:43
